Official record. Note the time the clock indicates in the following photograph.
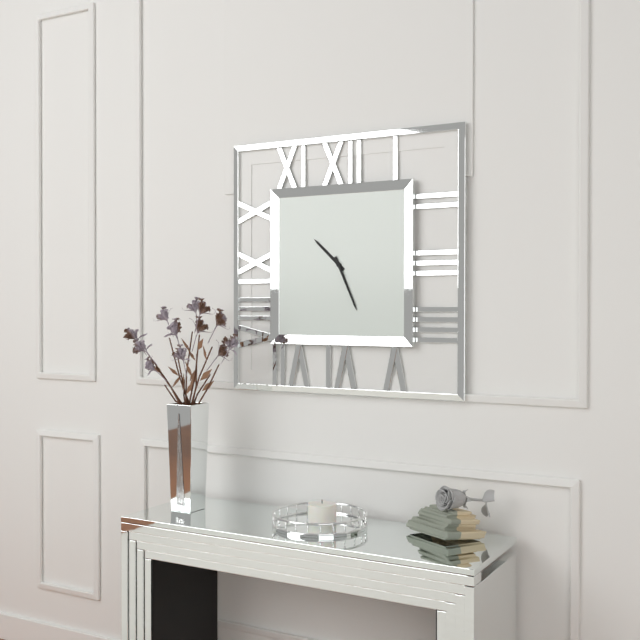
10:26
